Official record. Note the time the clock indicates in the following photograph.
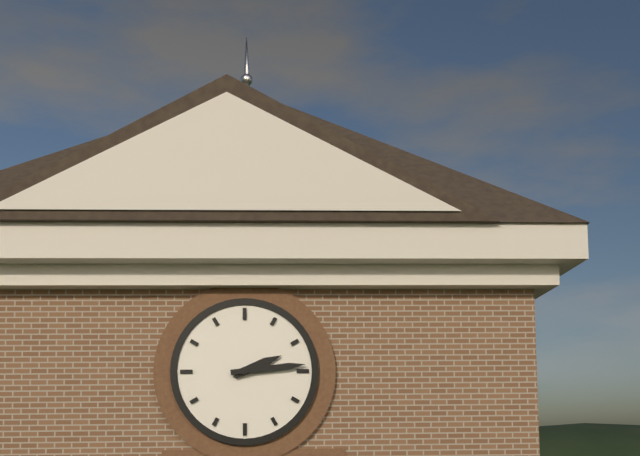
2:14
